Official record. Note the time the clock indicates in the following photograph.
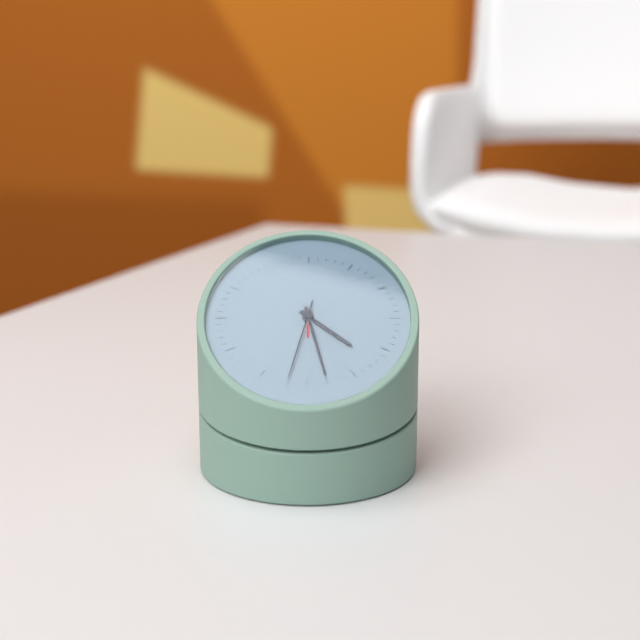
4:28:32
